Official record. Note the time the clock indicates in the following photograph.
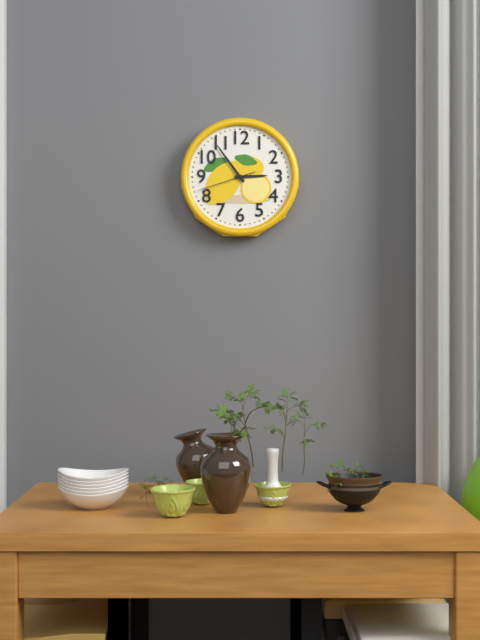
2:54:42
